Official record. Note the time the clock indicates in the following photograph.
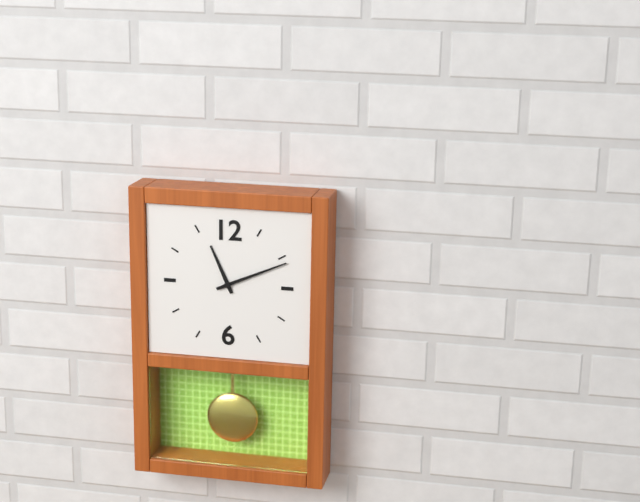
11:11
